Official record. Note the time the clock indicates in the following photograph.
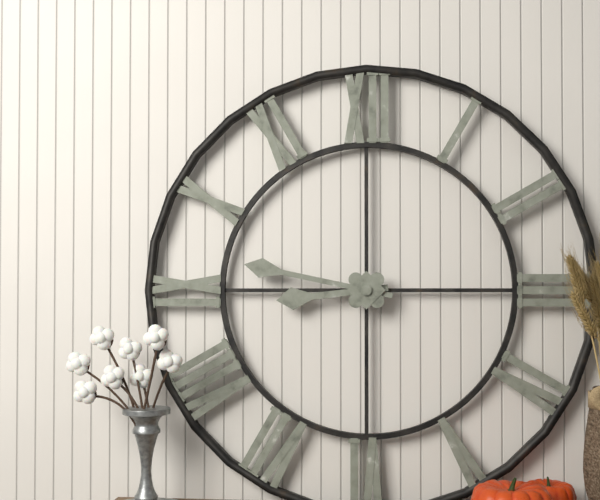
8:47
